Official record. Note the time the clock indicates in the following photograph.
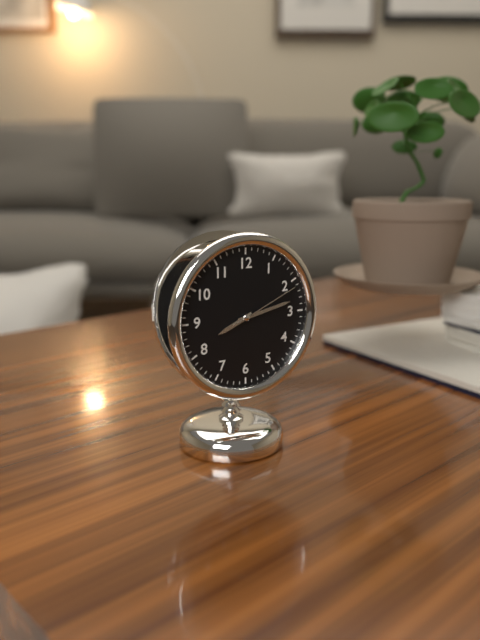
8:13:11
